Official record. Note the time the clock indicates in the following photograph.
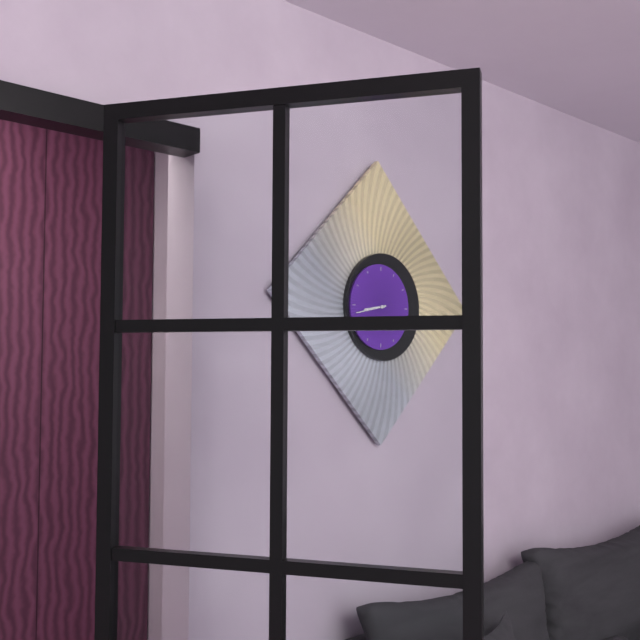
8:43
